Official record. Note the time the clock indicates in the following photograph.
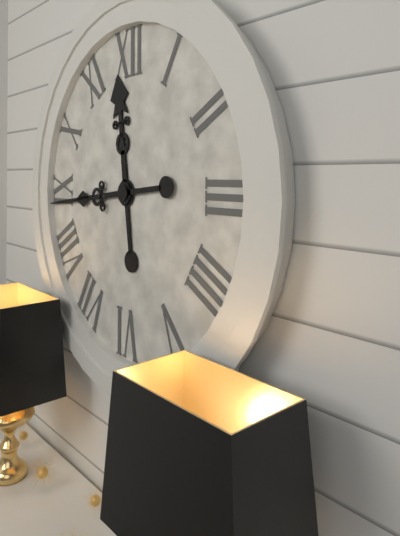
11:44
